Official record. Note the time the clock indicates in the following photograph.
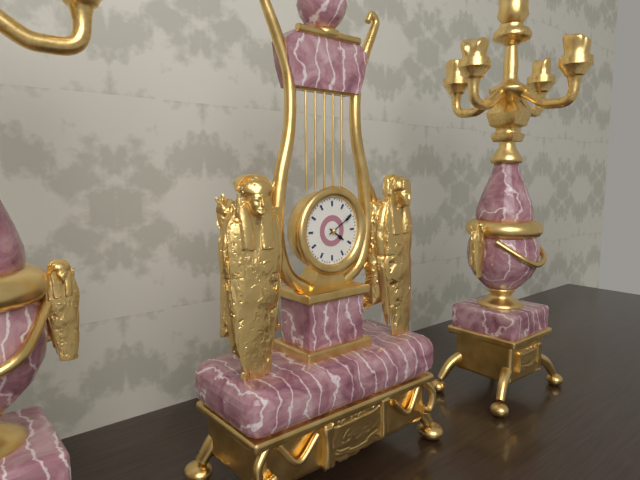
4:10
